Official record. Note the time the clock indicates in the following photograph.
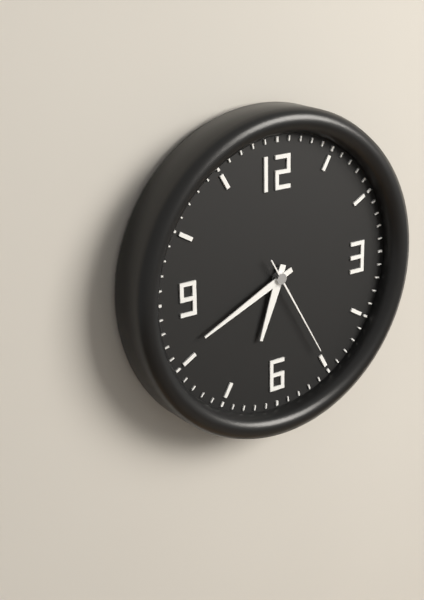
6:41:25
